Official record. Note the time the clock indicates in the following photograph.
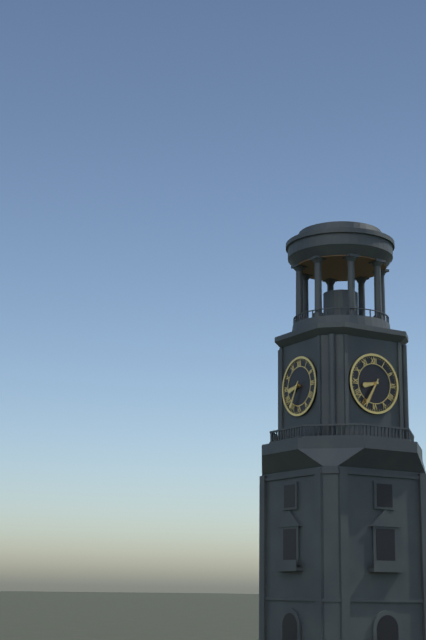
8:35
